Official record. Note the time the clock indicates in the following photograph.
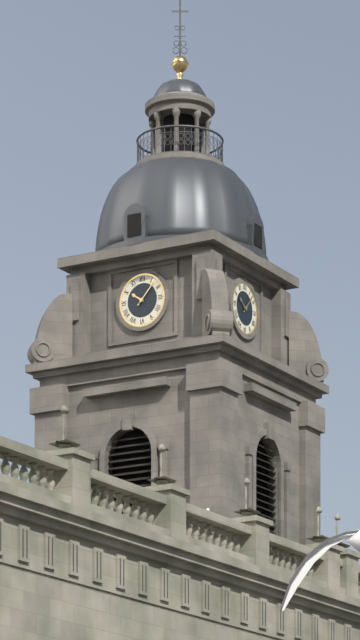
10:07
